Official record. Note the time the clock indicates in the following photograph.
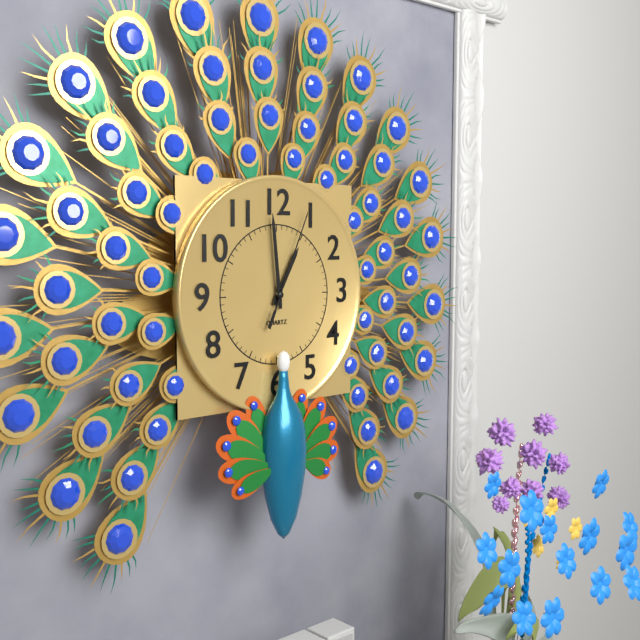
12:59:04
